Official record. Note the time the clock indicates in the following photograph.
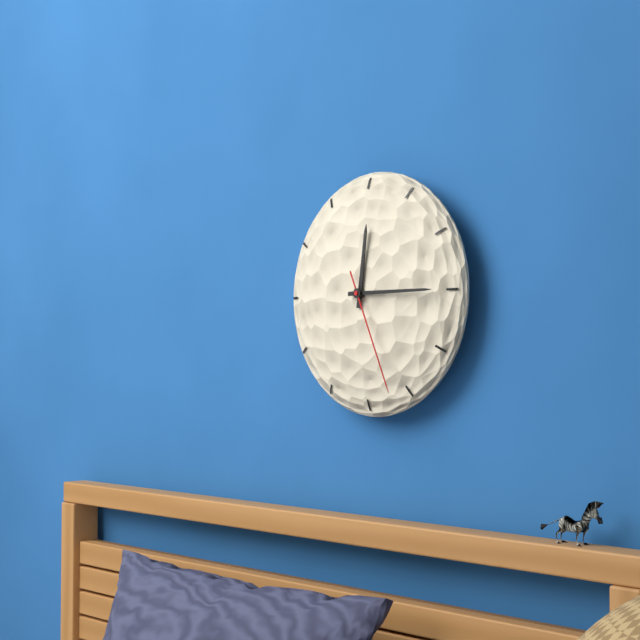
12:15:26
